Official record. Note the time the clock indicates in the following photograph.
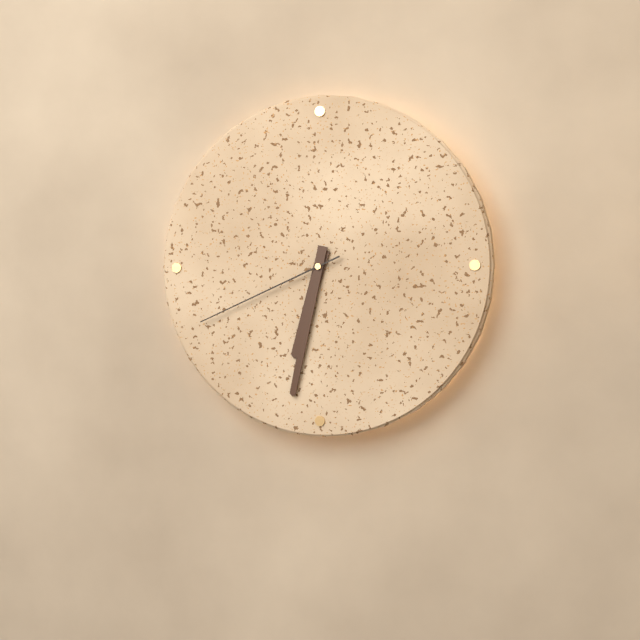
6:32:41
